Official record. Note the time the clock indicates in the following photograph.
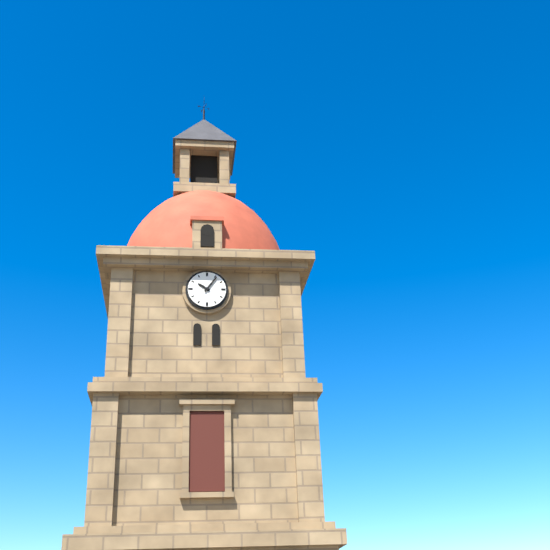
10:06
